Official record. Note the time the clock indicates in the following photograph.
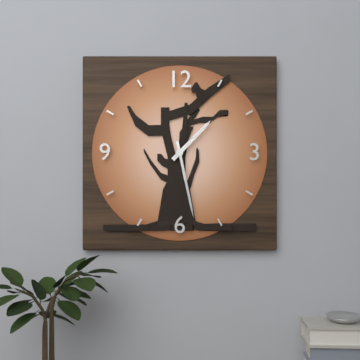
1:28
